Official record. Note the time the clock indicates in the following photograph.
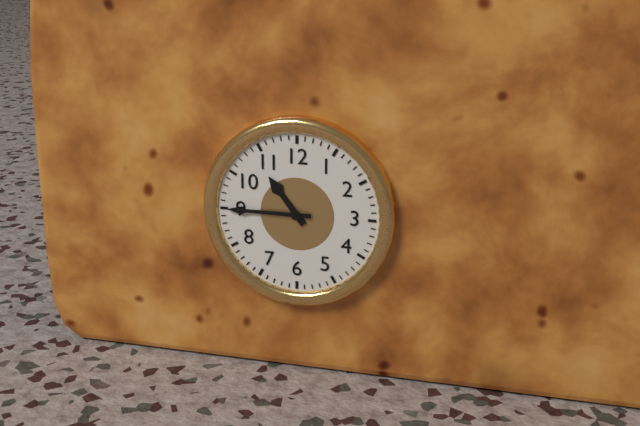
10:45
